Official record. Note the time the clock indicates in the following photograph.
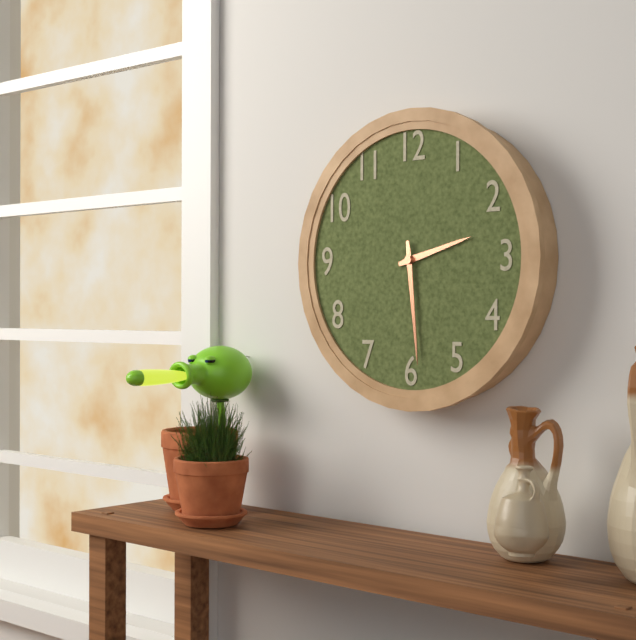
2:29
